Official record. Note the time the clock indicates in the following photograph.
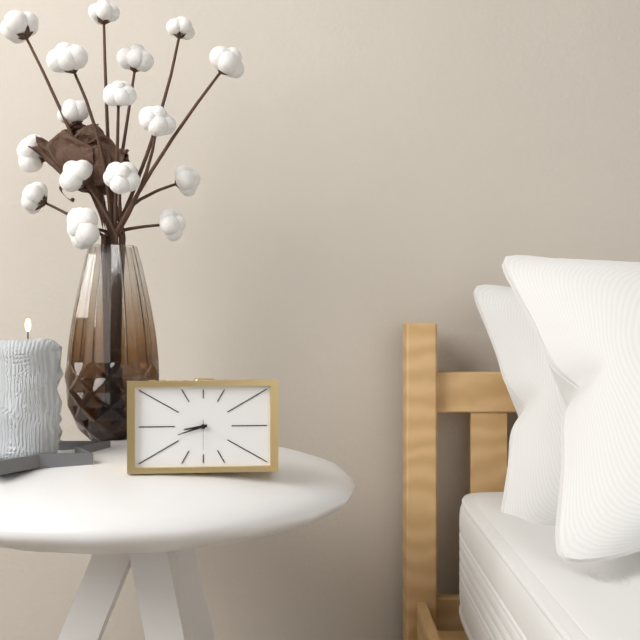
8:42
